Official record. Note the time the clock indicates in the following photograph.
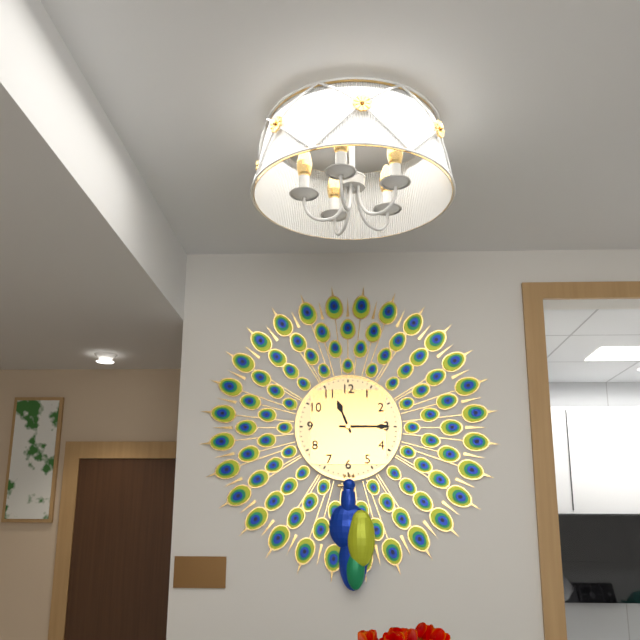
11:15
